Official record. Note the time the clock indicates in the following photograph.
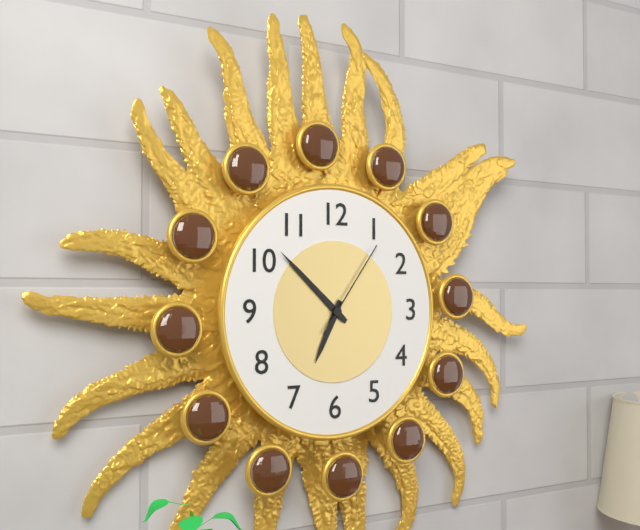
6:52:06
